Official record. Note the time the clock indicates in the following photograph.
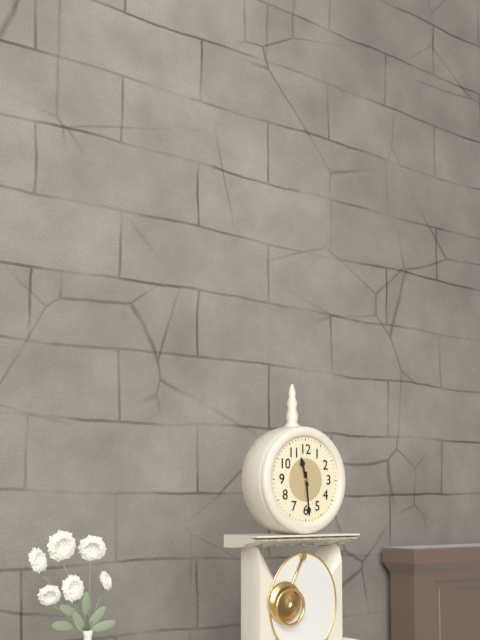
11:29
